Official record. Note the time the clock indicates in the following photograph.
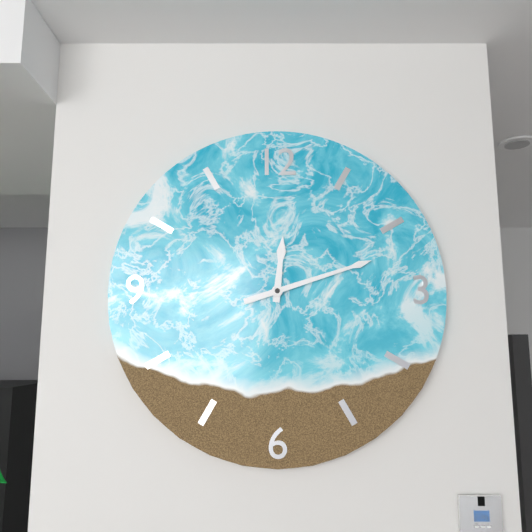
12:12
